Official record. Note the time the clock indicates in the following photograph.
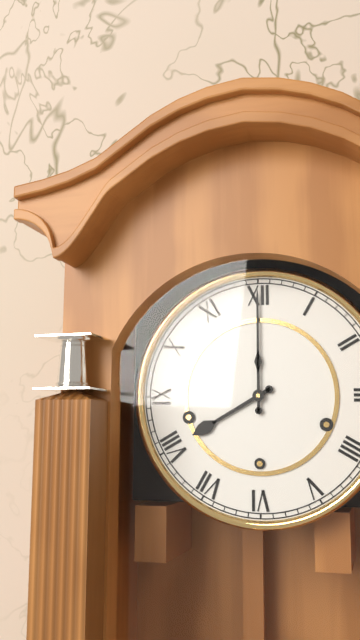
8:00
